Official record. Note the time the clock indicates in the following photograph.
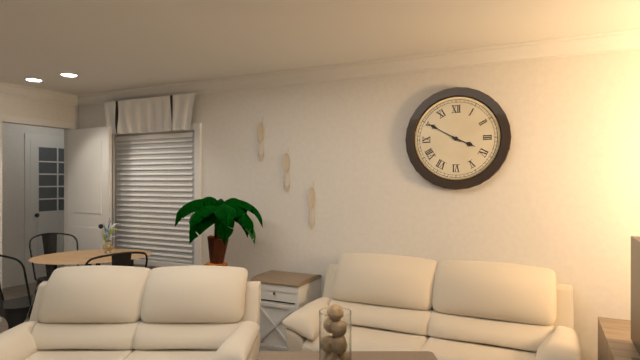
3:50
